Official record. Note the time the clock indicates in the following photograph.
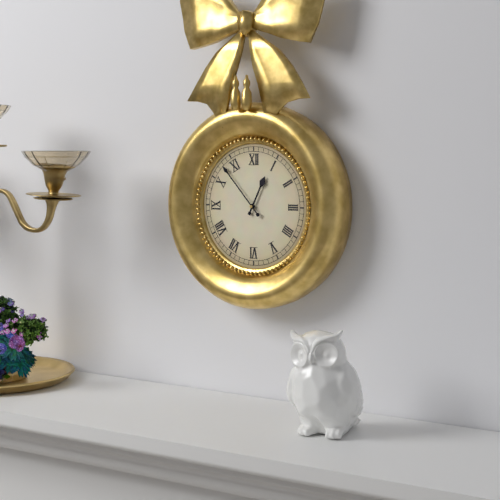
12:53
